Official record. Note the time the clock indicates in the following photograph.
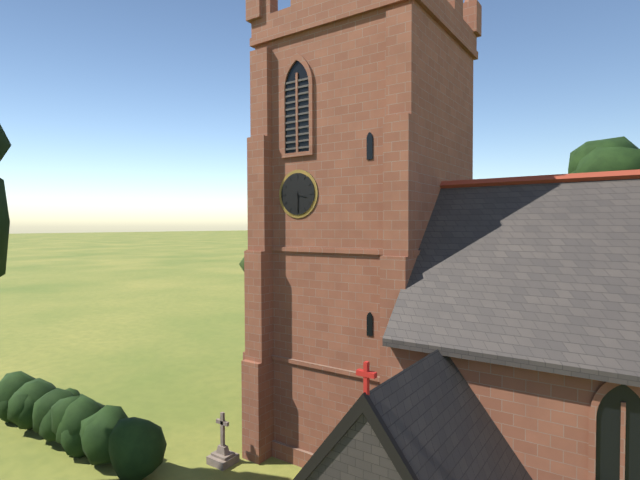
3:30
